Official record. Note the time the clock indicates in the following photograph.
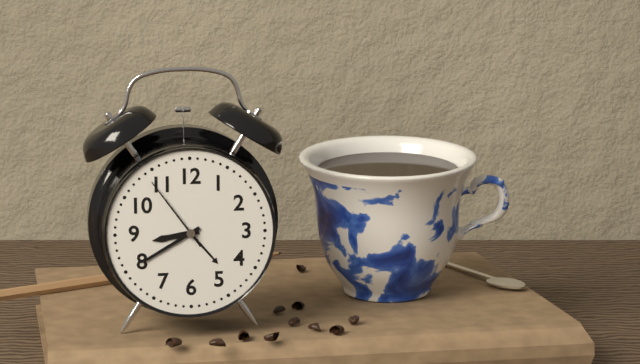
8:40:54
